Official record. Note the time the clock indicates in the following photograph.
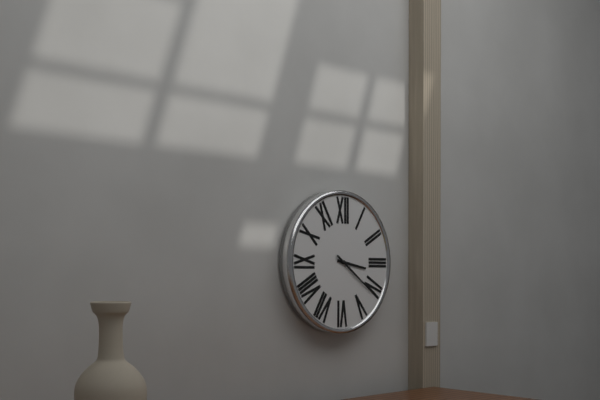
3:21
